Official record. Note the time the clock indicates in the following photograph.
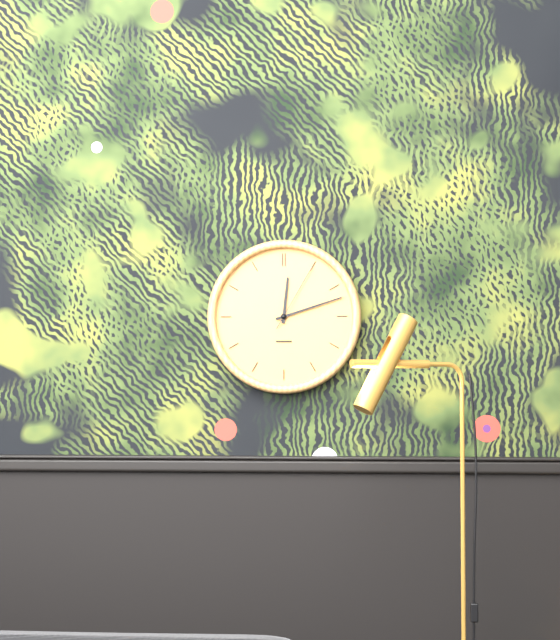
12:12:05
